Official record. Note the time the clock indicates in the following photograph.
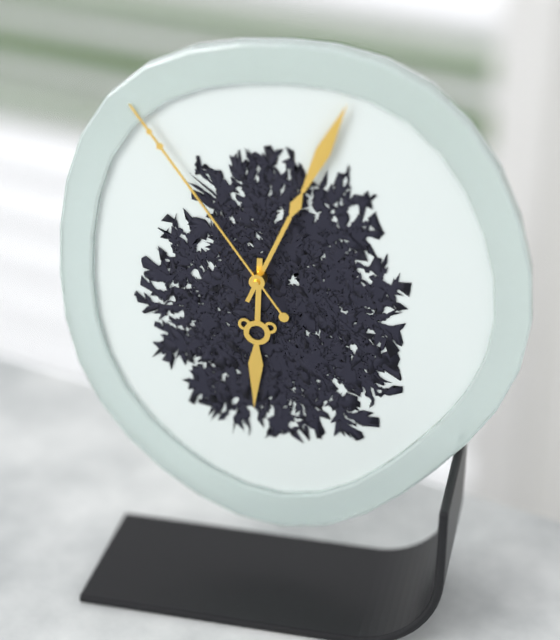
6:04:54
